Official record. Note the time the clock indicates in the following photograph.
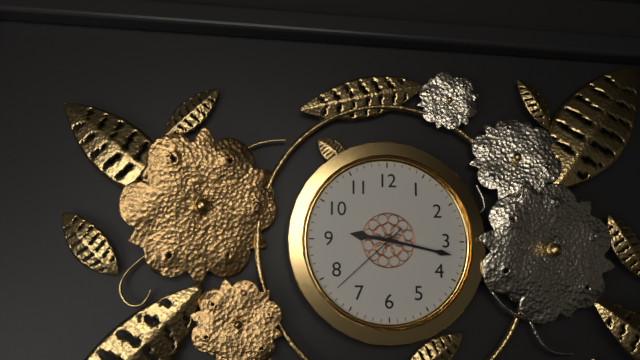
9:17:38
